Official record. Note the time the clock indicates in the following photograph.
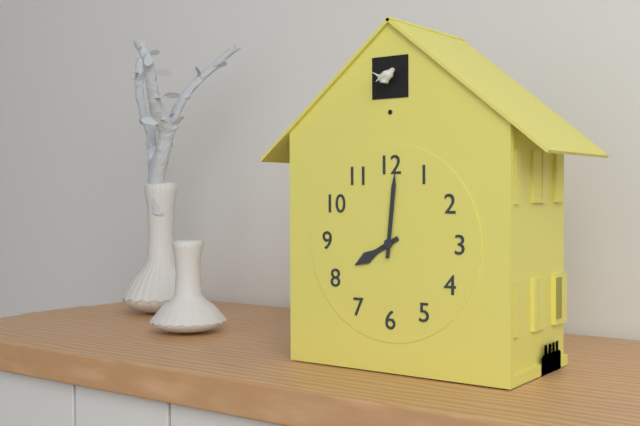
8:01
